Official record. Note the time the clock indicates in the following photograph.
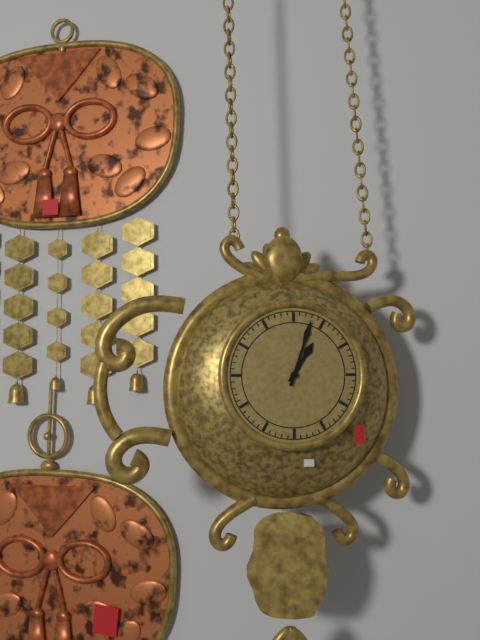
1:03
